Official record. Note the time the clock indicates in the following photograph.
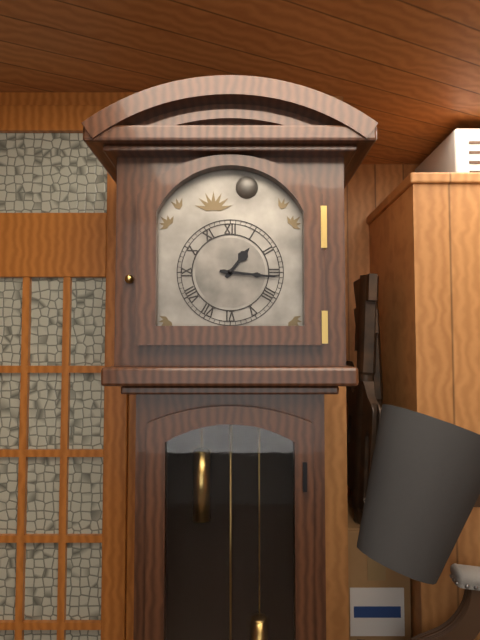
1:16
